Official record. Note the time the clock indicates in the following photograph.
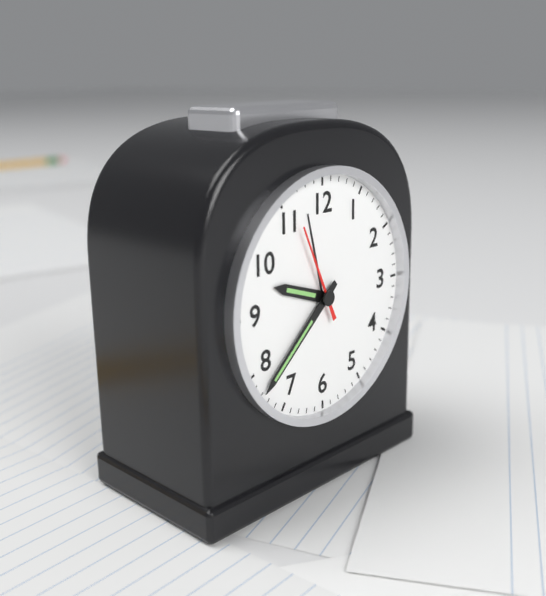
9:38:56
